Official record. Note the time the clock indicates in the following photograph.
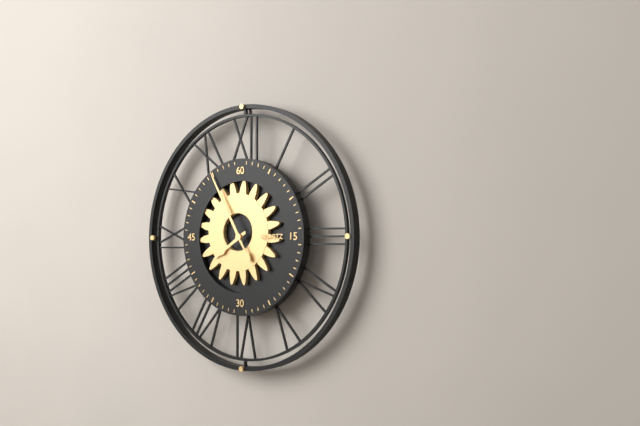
7:55
